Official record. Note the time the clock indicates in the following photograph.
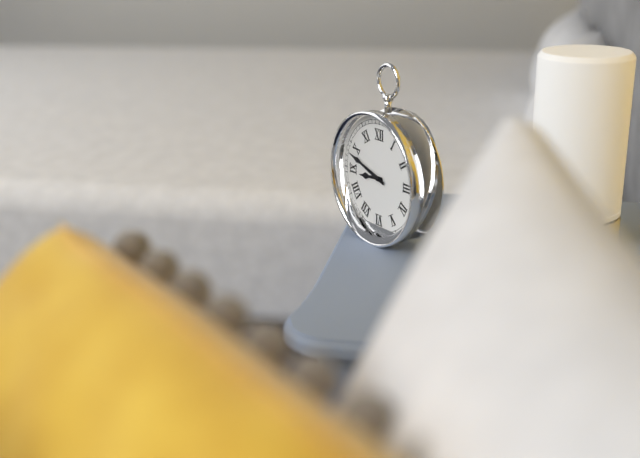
8:48
